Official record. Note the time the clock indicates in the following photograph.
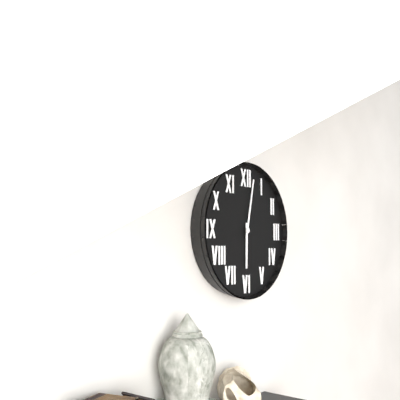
6:02
